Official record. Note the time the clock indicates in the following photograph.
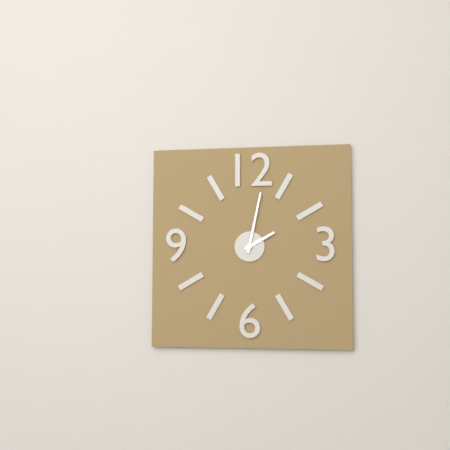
2:02
